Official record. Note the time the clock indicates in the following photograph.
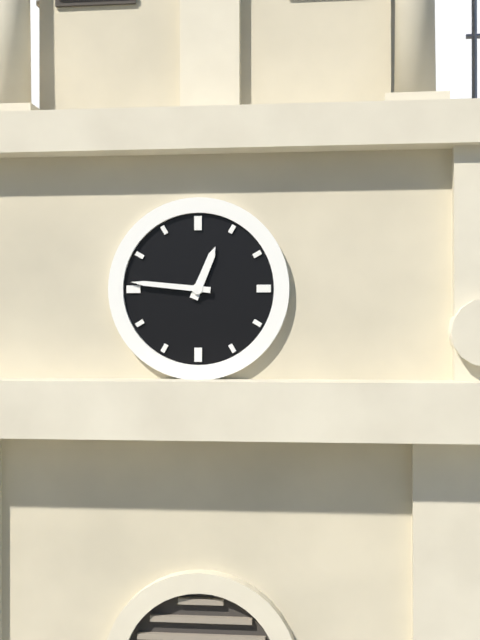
12:46
